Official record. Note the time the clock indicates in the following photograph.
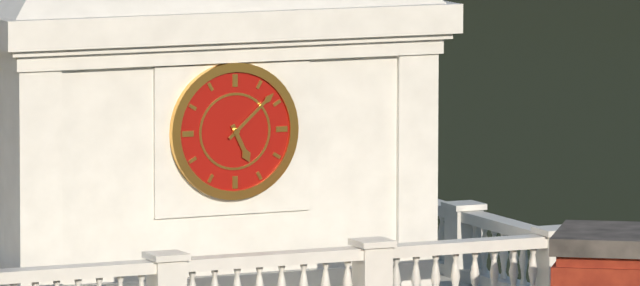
5:08
